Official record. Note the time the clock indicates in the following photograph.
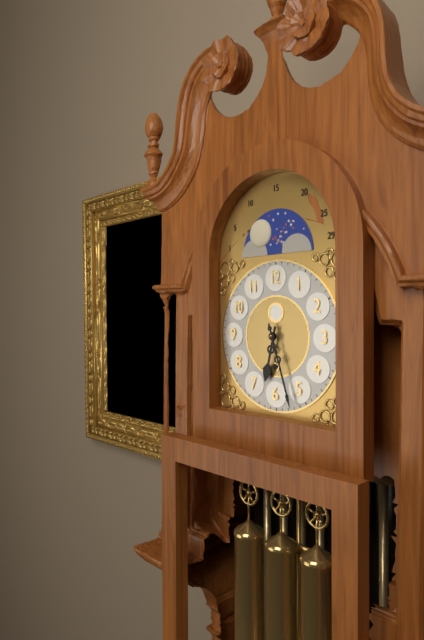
6:27
